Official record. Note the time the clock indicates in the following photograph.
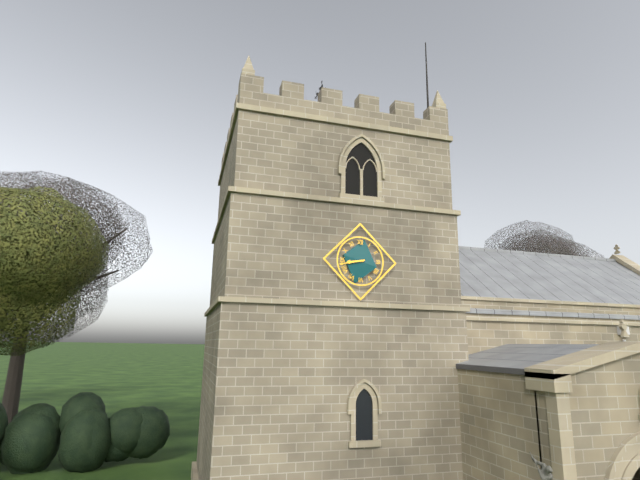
8:43
